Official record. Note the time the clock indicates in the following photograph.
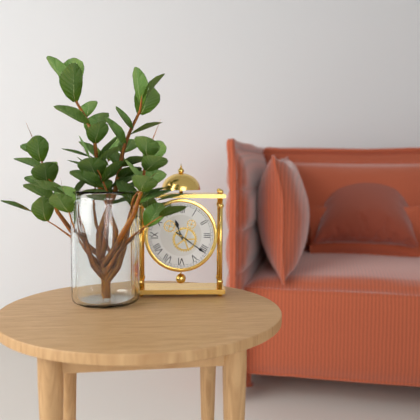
11:21
